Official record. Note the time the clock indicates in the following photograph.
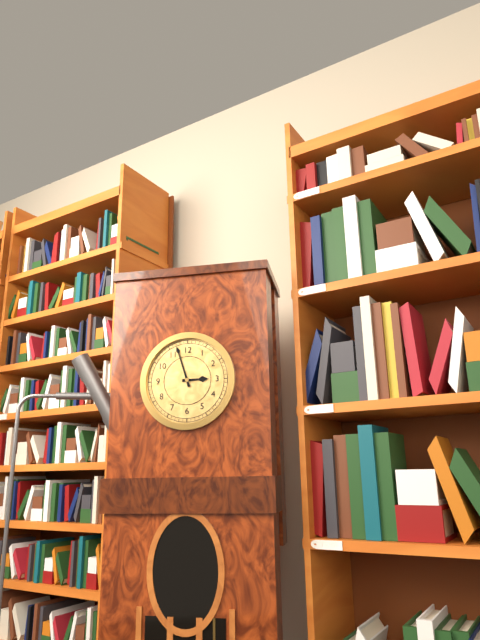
2:57
